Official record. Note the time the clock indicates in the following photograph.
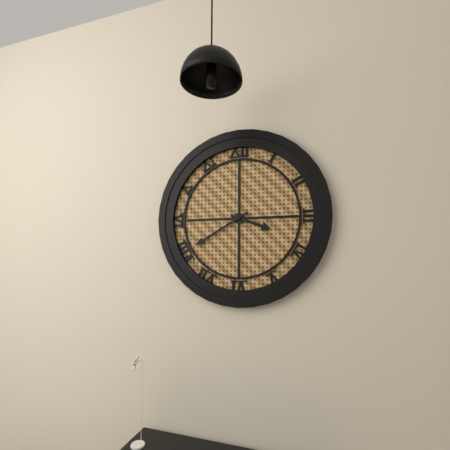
3:40
